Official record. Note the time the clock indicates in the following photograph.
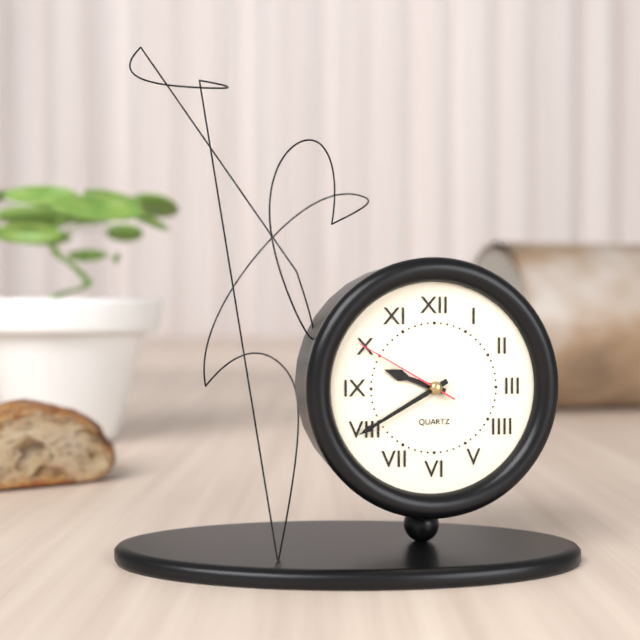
9:40:50
